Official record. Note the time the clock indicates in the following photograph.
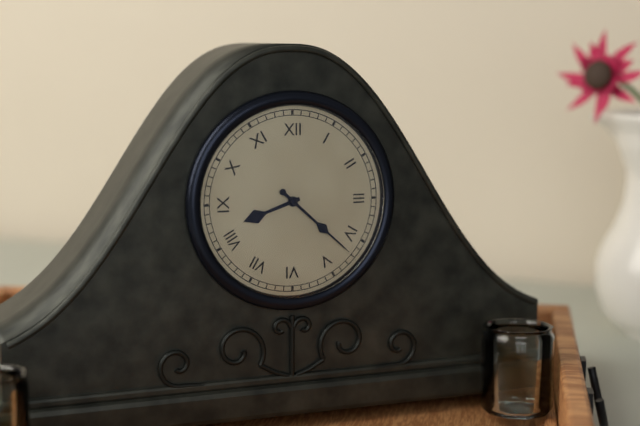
8:22
